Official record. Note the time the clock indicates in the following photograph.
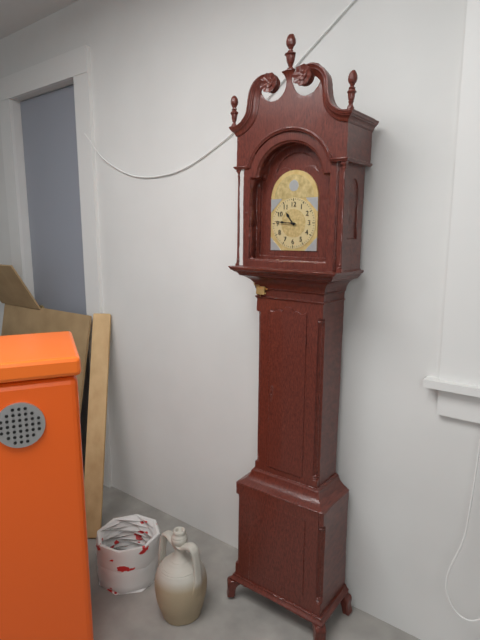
10:46
